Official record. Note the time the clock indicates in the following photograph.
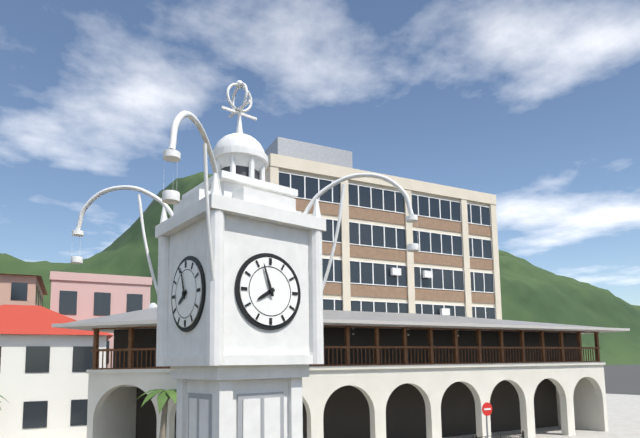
7:57
